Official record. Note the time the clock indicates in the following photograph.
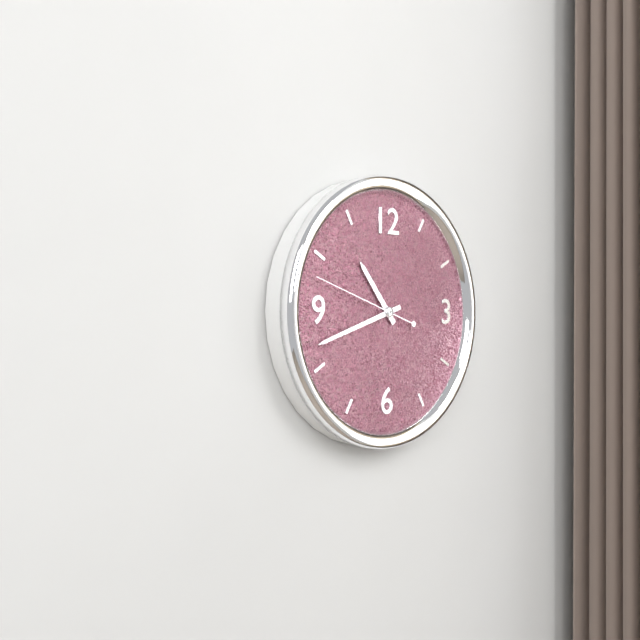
10:42:48
